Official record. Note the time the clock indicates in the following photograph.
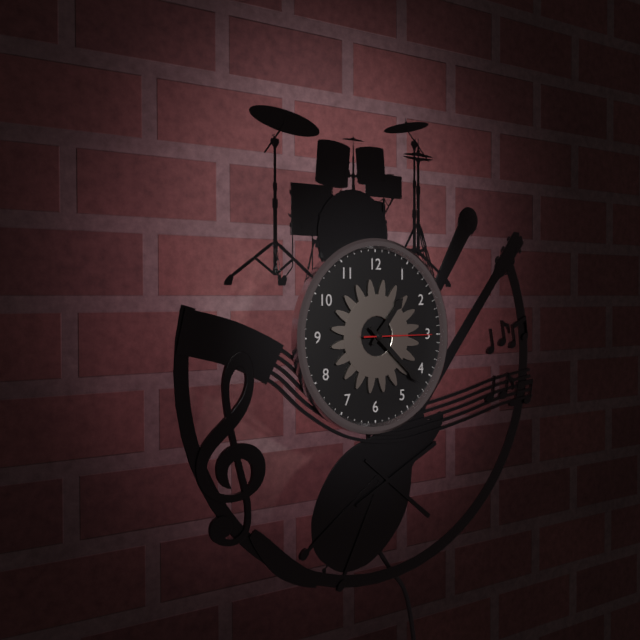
1:22:15
